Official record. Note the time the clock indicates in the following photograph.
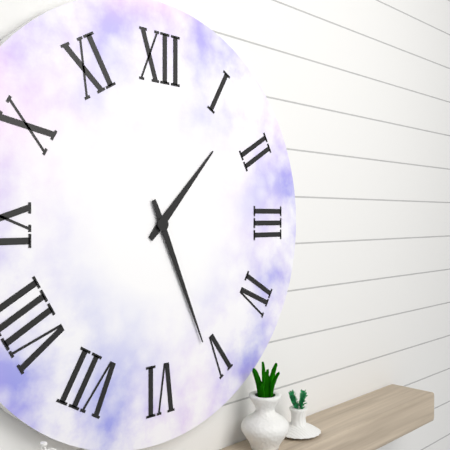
1:26
